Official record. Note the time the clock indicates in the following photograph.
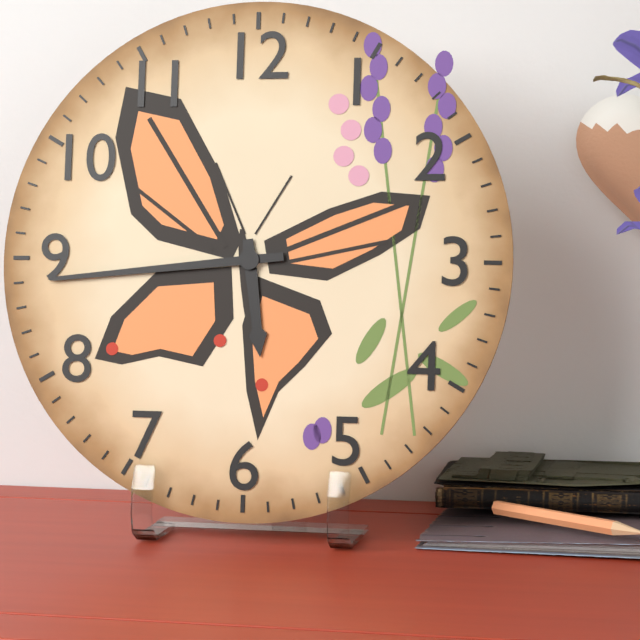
5:44
